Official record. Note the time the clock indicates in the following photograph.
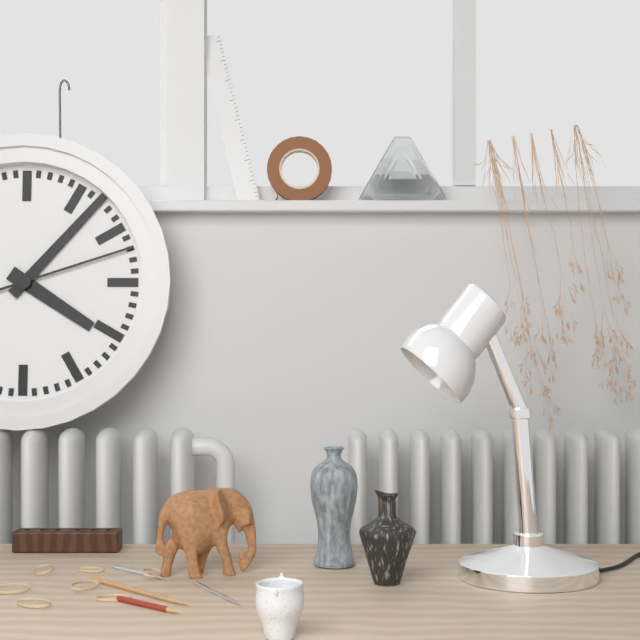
4:07:12
